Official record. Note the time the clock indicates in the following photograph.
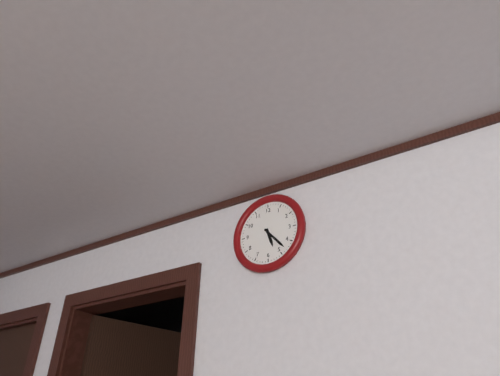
5:23
